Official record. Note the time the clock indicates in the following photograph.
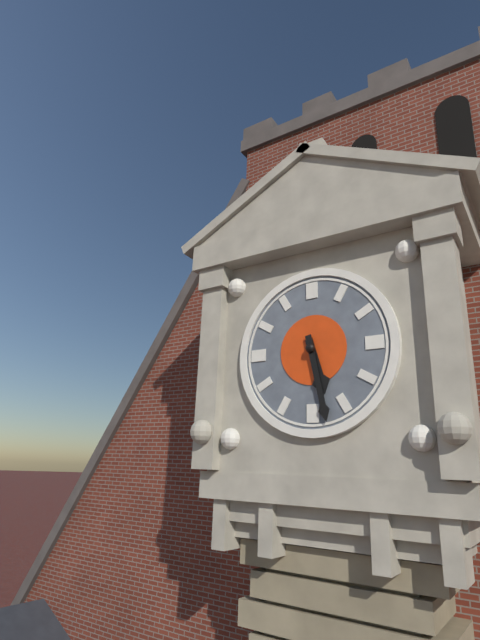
5:28
